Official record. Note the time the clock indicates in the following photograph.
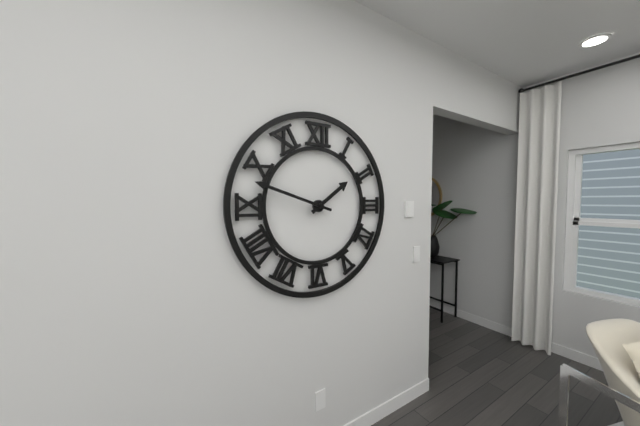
1:48
